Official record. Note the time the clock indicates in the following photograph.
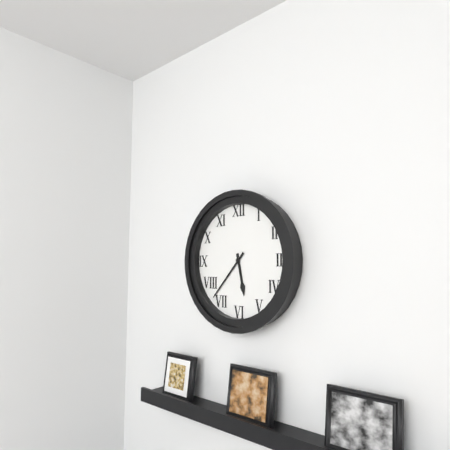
5:37
